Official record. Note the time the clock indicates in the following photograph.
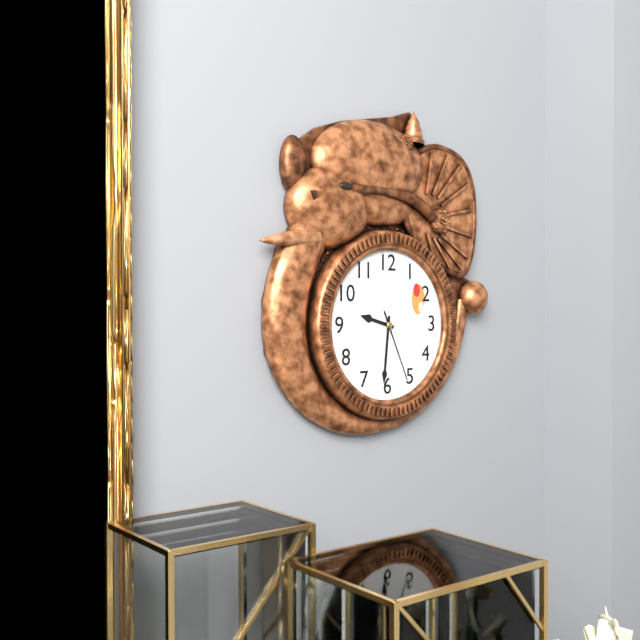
9:31:26
